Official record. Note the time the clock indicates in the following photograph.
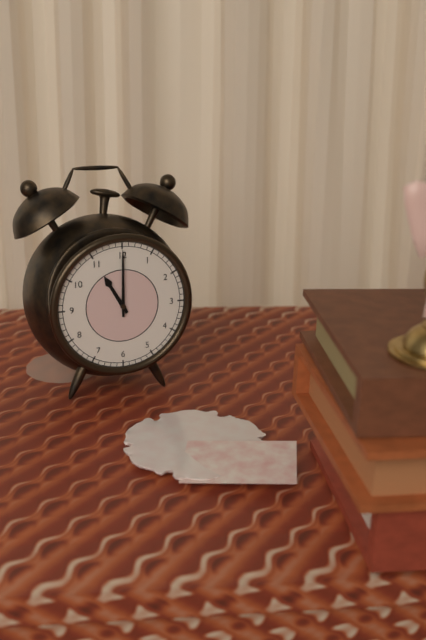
11:00
